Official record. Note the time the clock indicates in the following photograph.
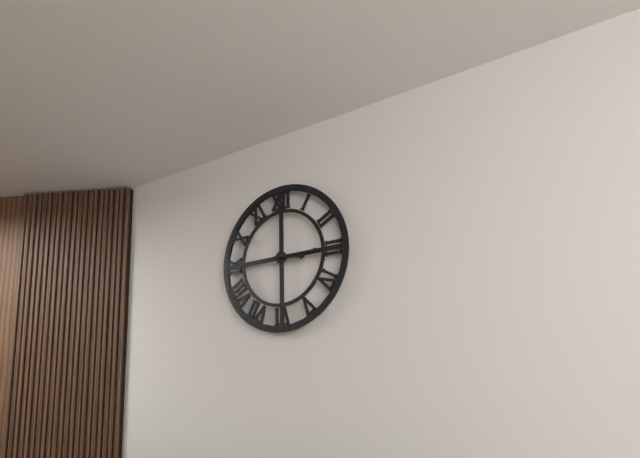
3:15
